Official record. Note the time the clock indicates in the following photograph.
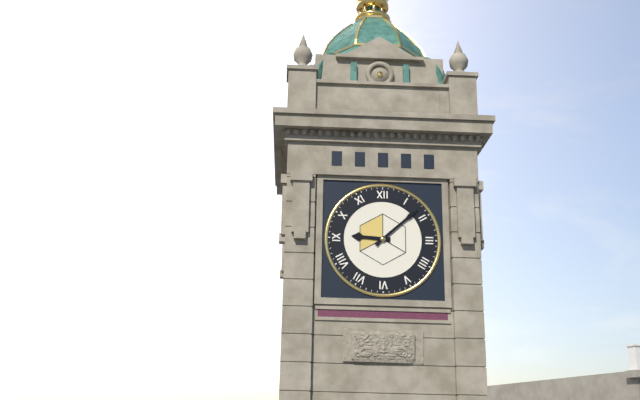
9:08
